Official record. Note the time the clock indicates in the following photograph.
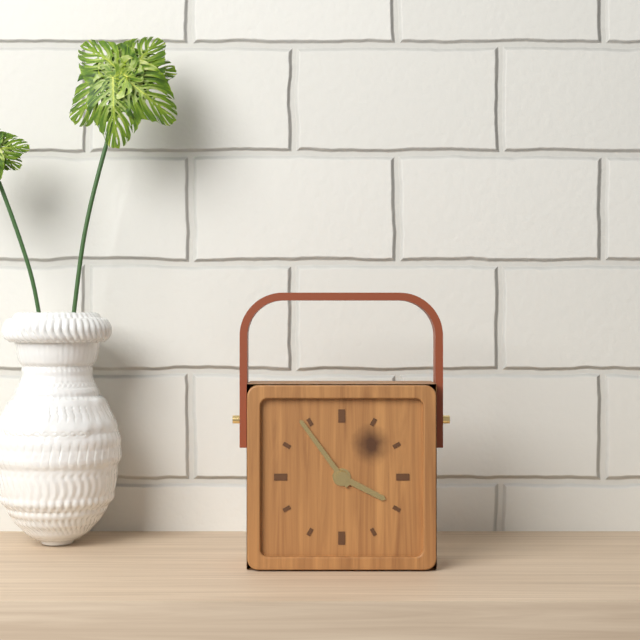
3:54
